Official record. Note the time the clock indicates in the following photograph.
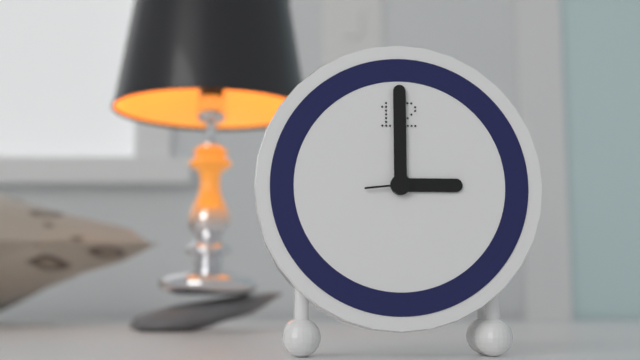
3:00
